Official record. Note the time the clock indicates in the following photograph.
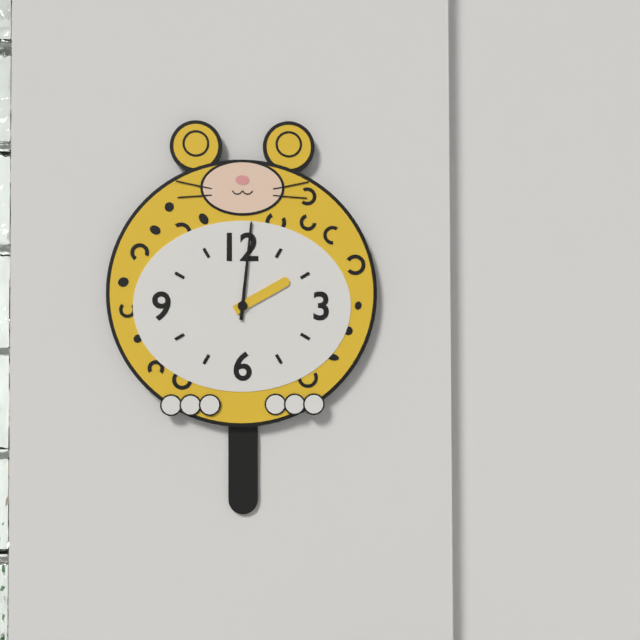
2:01
